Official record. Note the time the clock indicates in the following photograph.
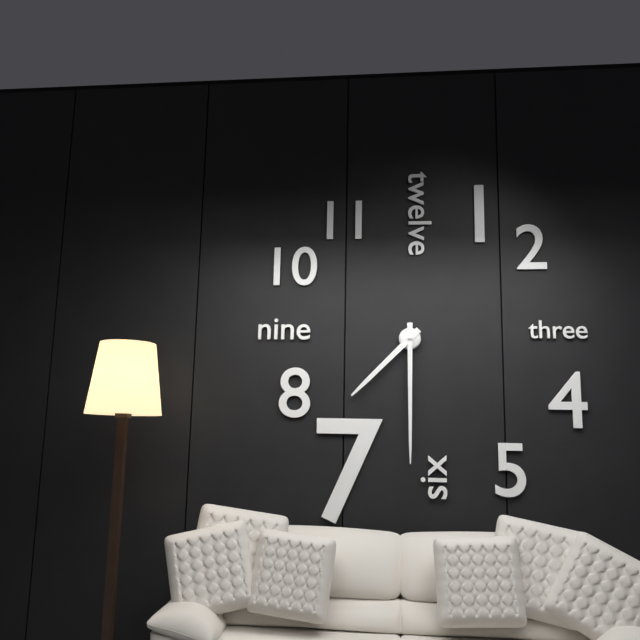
7:30
